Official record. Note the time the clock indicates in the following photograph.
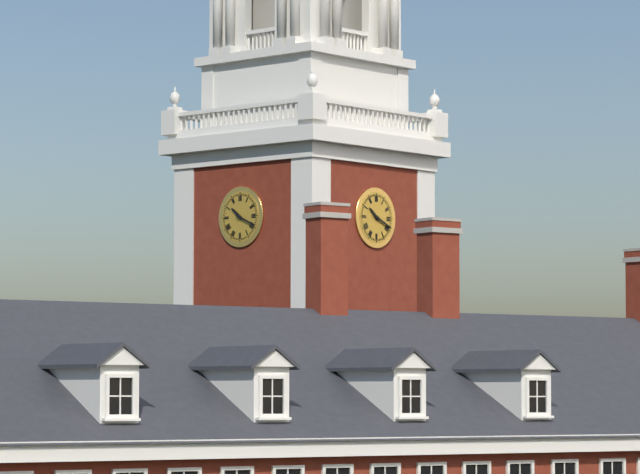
10:19
